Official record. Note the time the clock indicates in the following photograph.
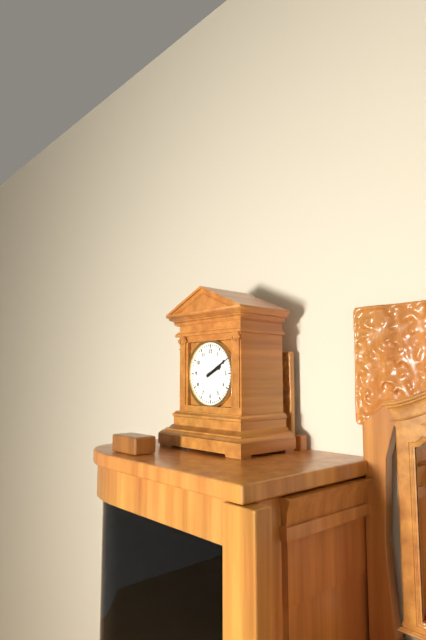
2:10
